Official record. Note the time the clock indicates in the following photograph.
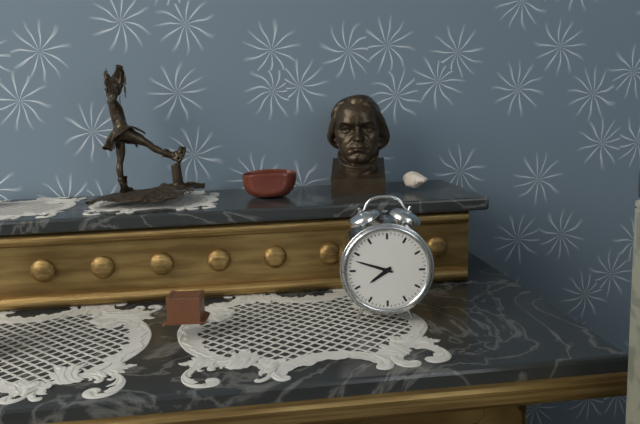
7:48
